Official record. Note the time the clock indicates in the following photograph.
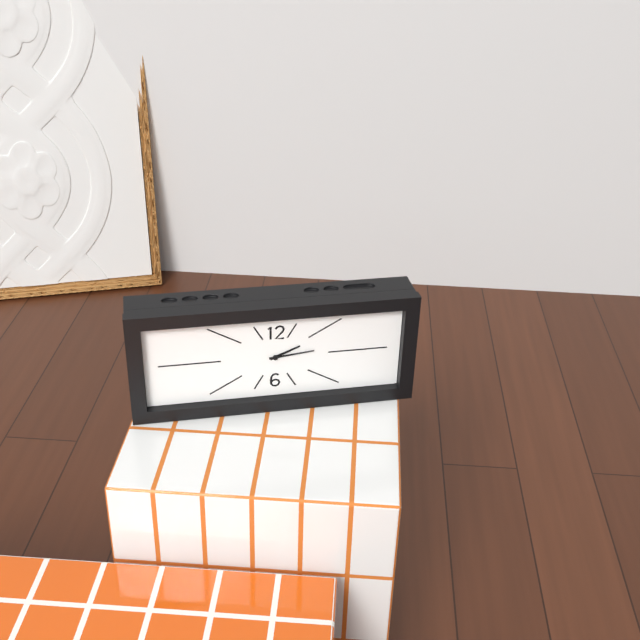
2:14
